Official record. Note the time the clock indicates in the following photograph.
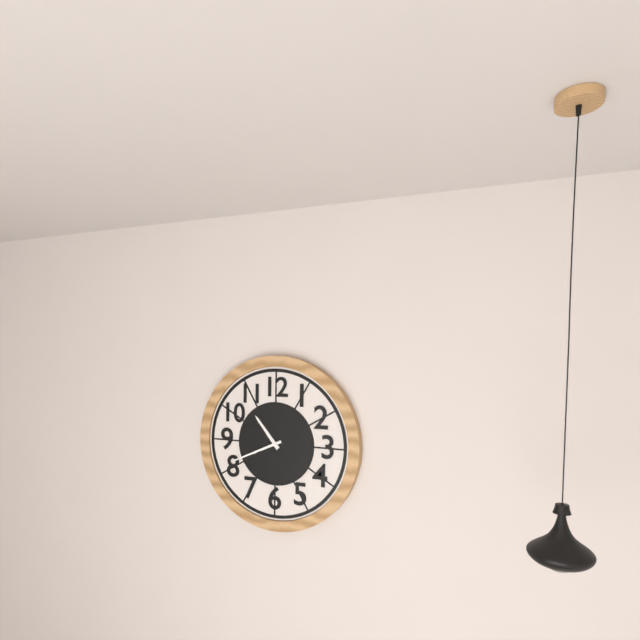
10:41
